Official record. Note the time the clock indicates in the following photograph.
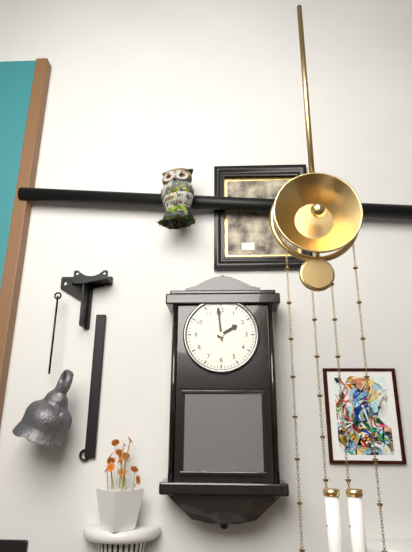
1:59
